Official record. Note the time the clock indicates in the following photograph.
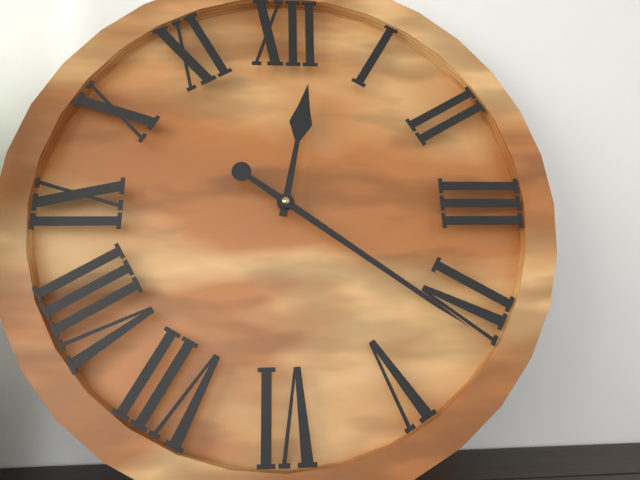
12:21
